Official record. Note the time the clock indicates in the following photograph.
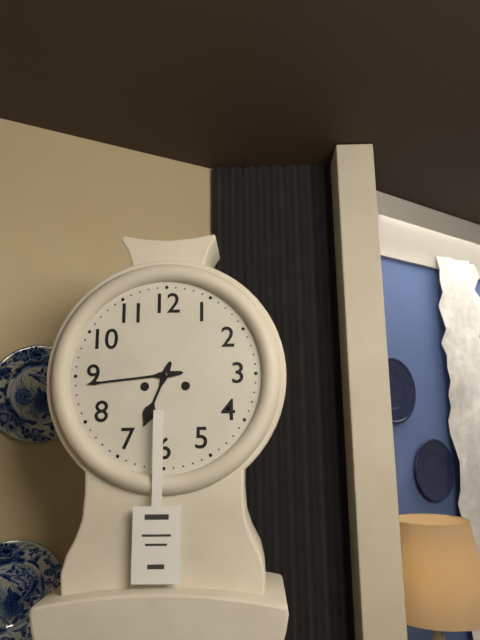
6:44
